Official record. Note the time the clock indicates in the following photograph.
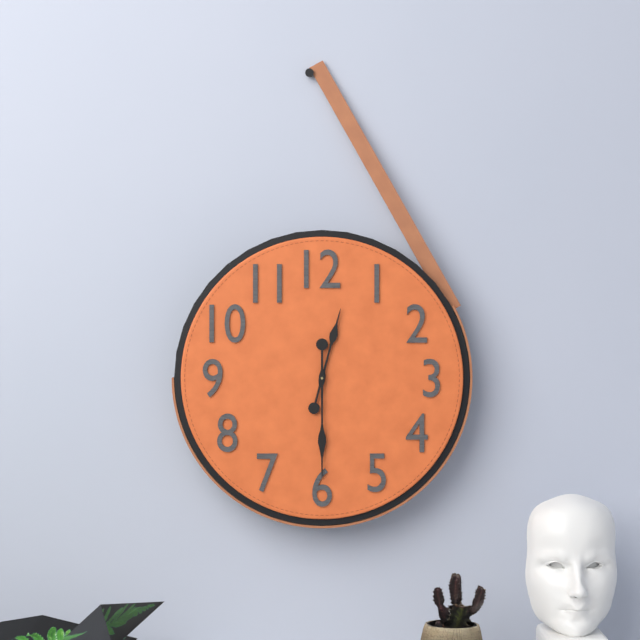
12:30
